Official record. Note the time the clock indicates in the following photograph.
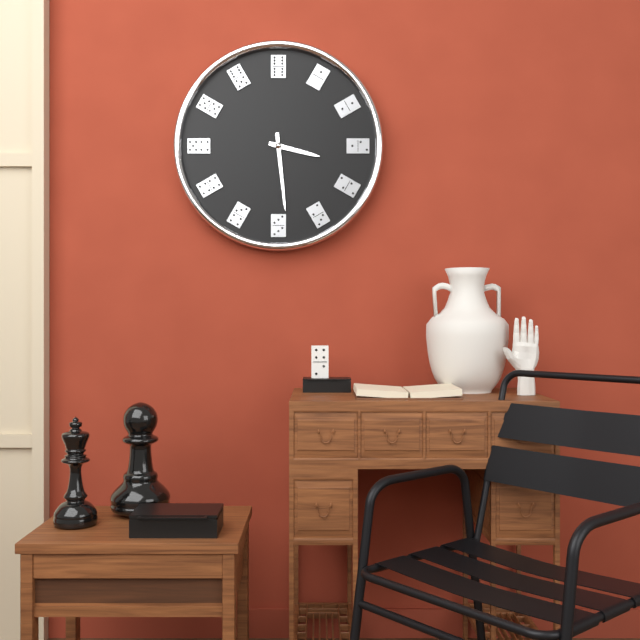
3:29
